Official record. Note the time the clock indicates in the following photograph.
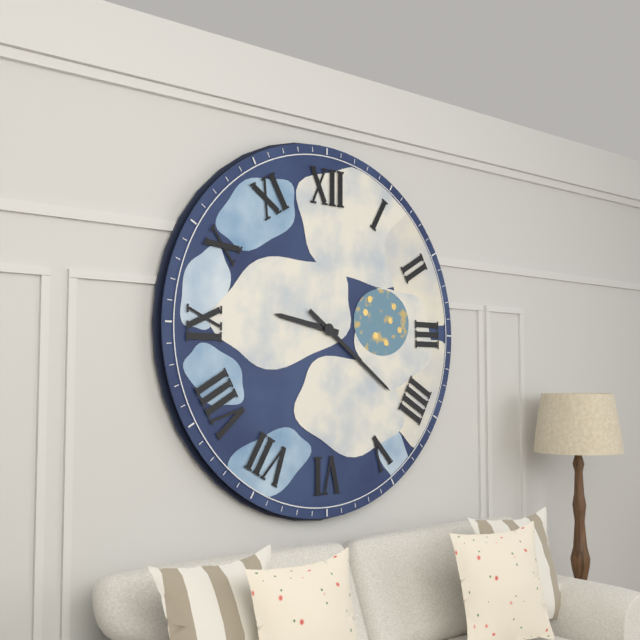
9:21
